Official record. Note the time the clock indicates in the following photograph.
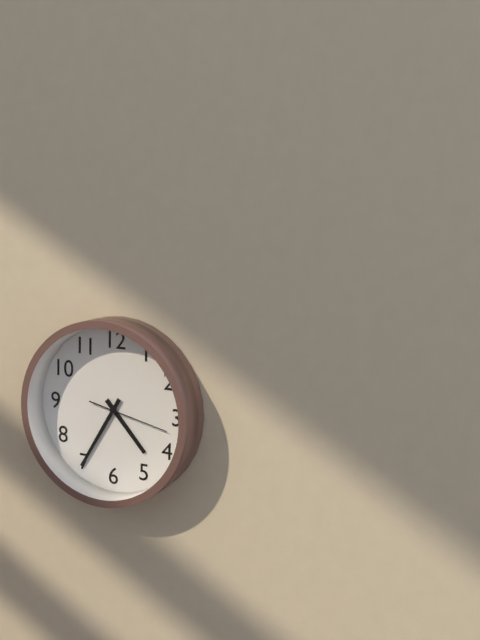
4:35:17
